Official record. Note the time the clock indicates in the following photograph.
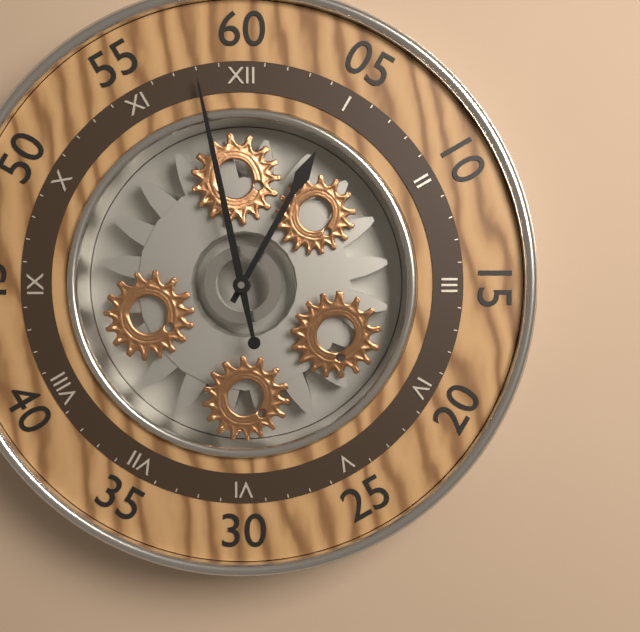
12:58
